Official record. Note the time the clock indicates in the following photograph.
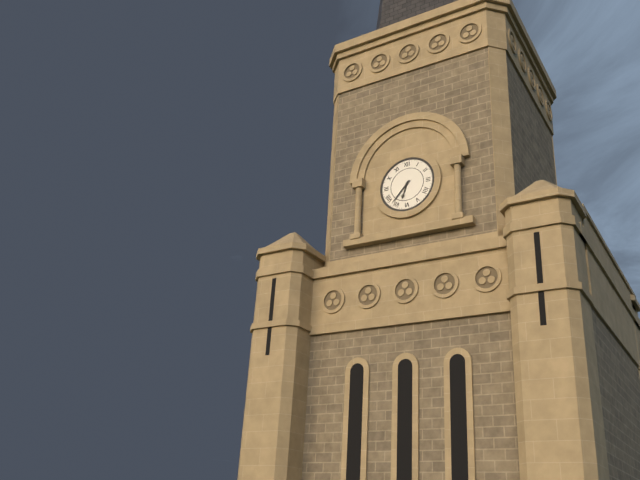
6:37
